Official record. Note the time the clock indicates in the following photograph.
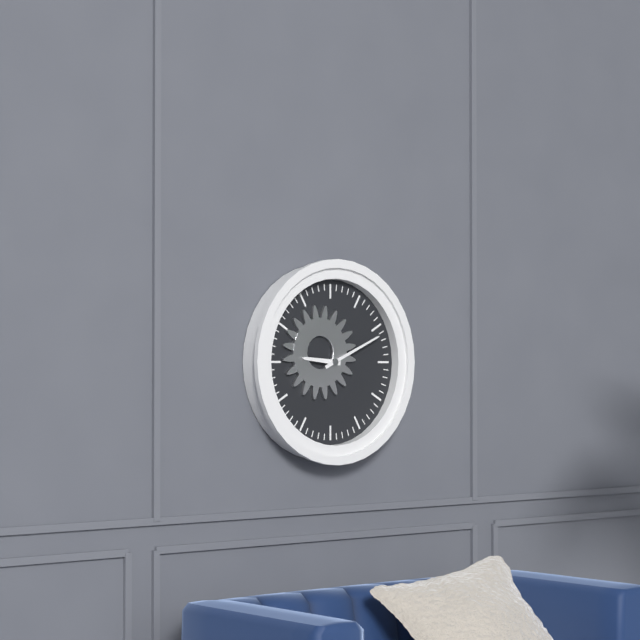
9:11
